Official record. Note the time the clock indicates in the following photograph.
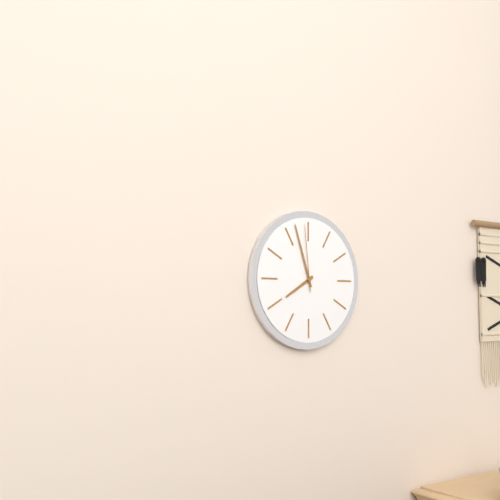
7:57:59
